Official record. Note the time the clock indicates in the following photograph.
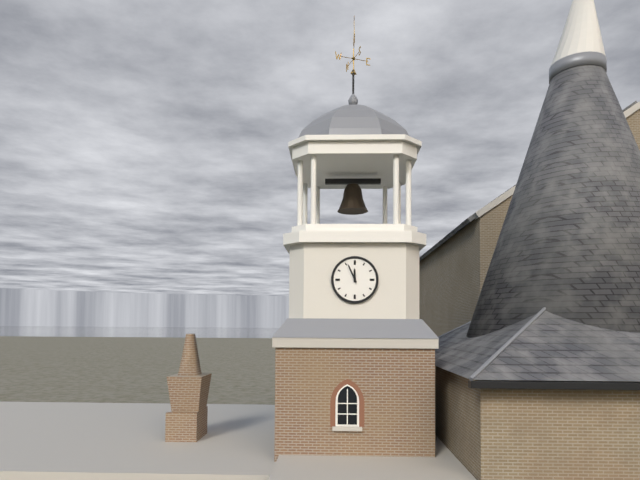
11:56
